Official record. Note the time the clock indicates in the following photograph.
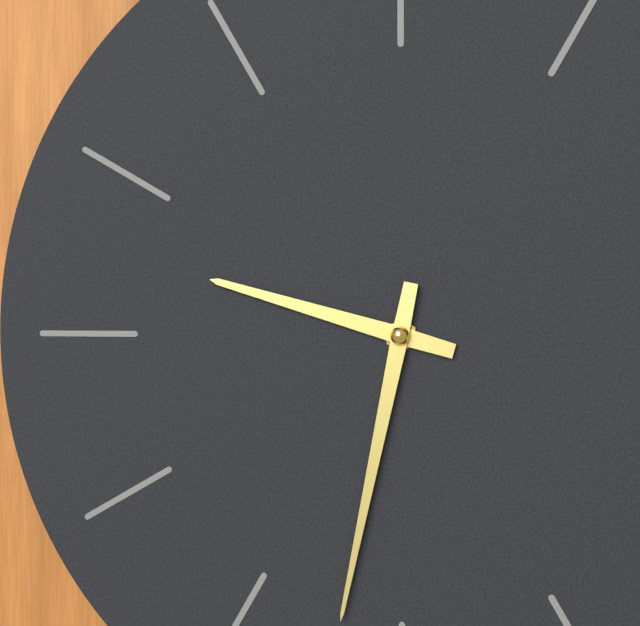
9:32
